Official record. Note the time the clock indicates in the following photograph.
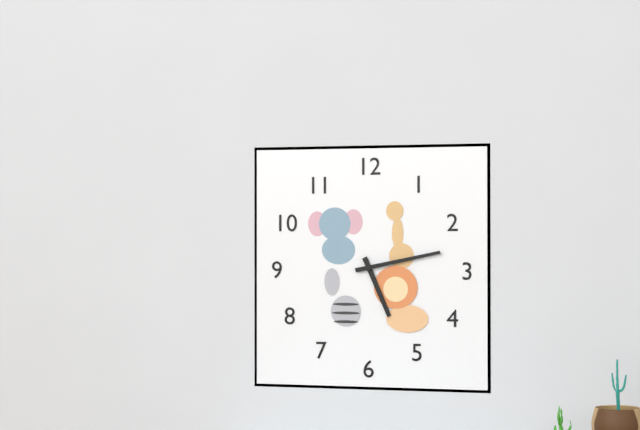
5:13
